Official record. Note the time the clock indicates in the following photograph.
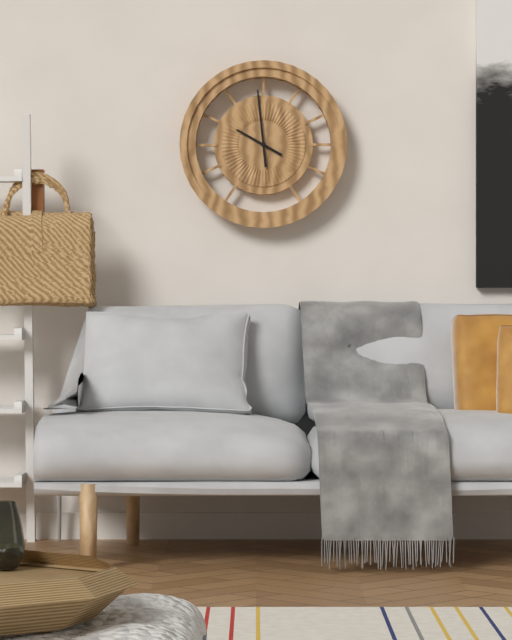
9:59
